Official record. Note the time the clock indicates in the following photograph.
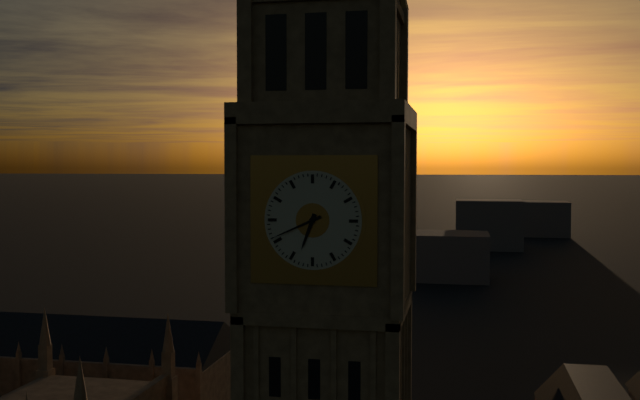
6:41
